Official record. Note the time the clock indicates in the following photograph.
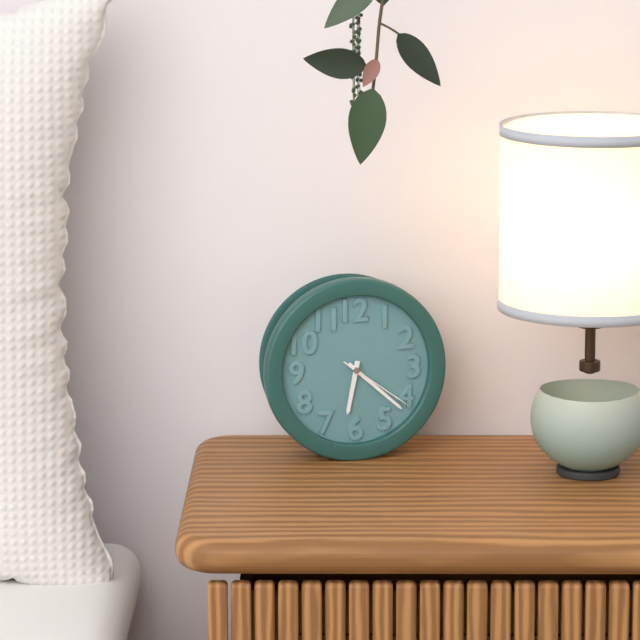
6:22:21
